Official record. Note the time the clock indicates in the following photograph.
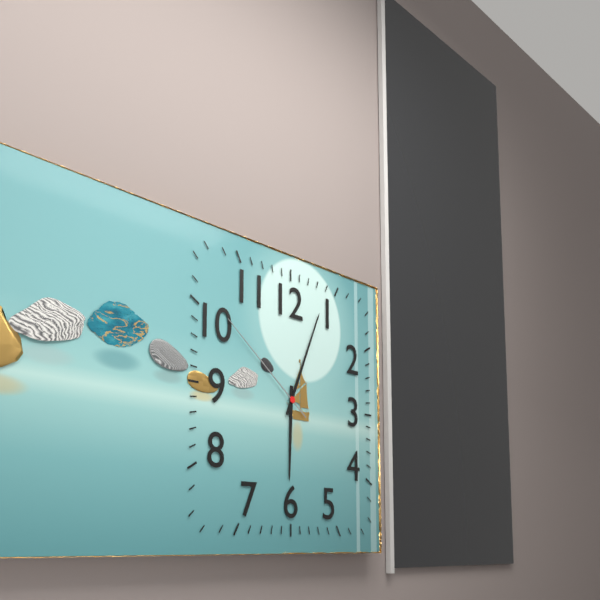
6:04:51
